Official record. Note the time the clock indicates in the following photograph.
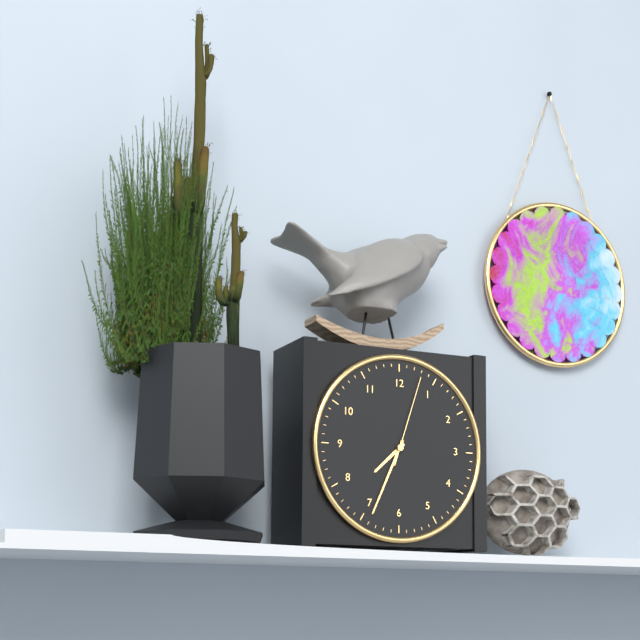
7:34:03
